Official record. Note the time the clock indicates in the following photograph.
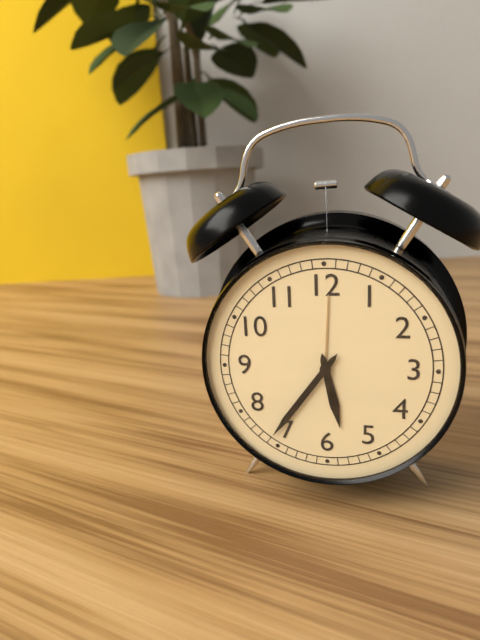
5:36
